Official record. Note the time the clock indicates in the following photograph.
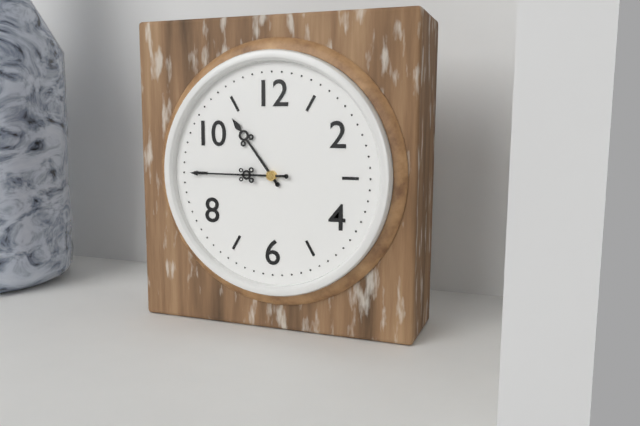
10:45
